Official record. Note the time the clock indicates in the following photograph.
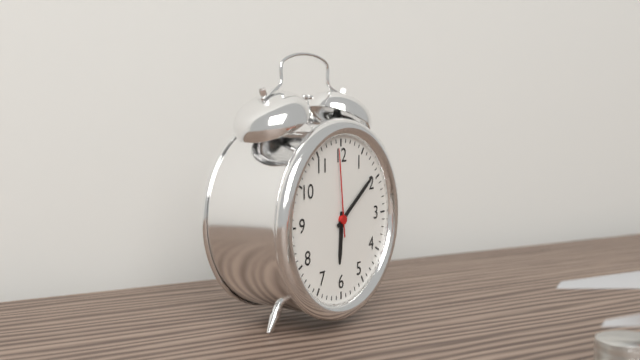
6:09:59
